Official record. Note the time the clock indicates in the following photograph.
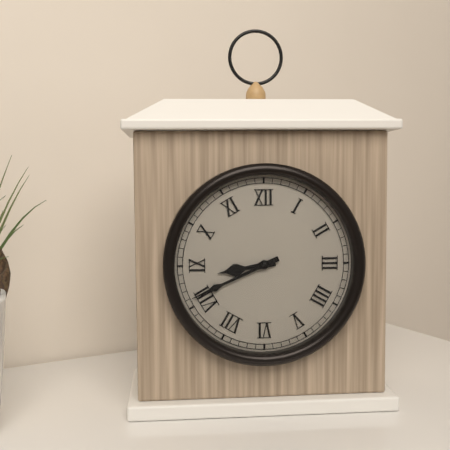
8:41
